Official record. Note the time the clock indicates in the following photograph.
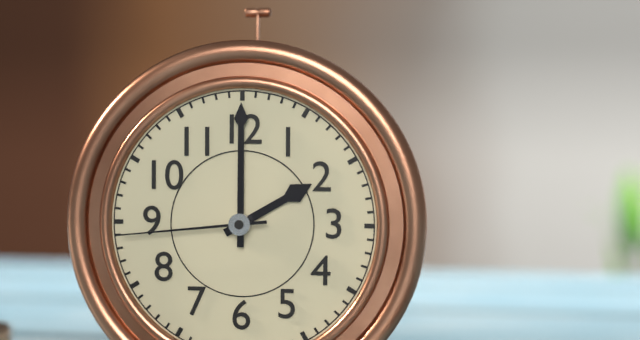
2:00:44
